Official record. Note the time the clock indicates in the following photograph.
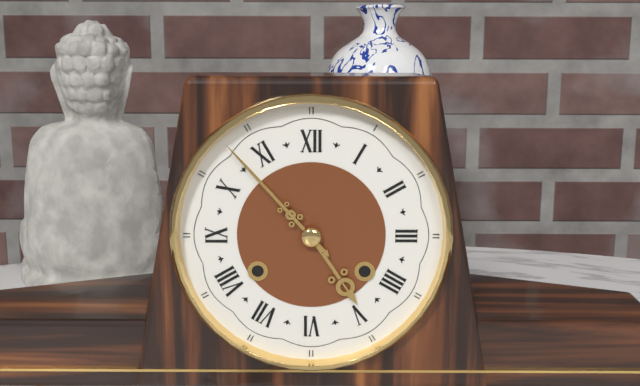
4:53
